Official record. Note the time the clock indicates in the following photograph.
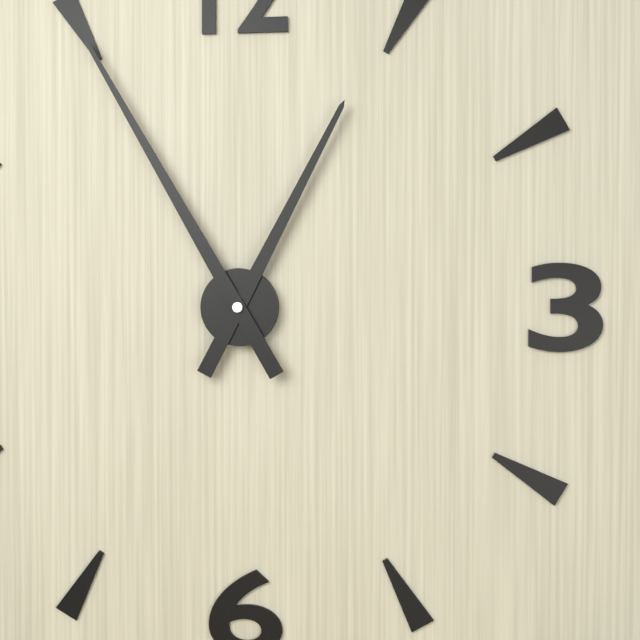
12:55
